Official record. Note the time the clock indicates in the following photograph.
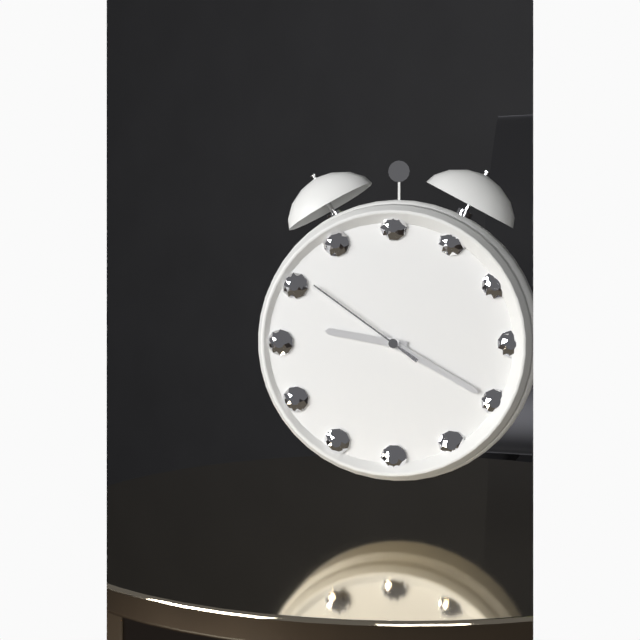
9:20:51
